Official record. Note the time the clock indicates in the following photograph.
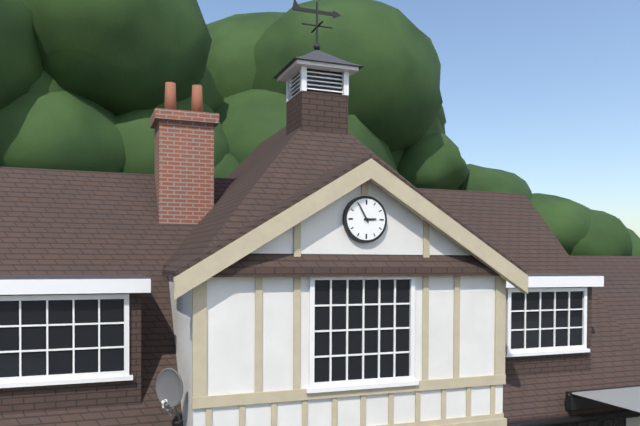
2:55
